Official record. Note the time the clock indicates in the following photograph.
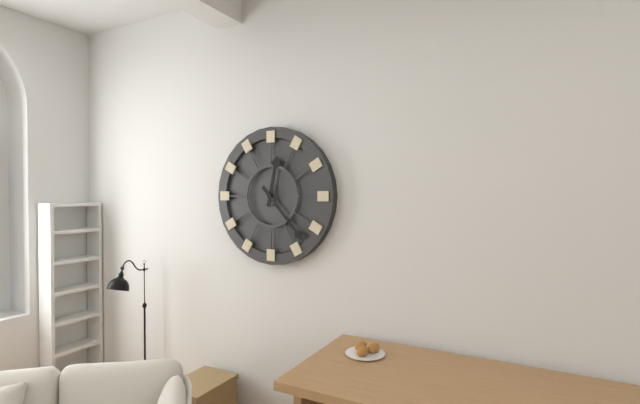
12:23
